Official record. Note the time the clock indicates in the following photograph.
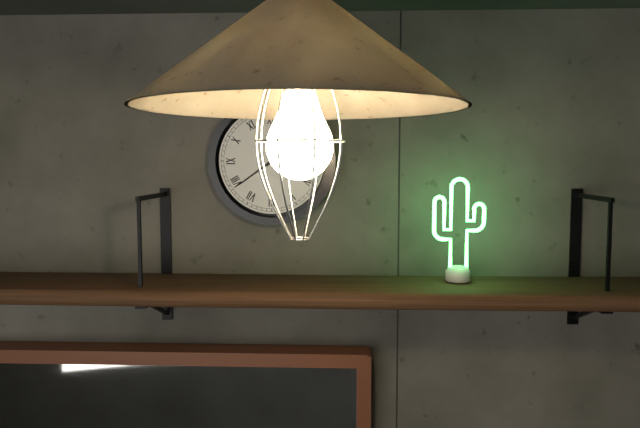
1:39
